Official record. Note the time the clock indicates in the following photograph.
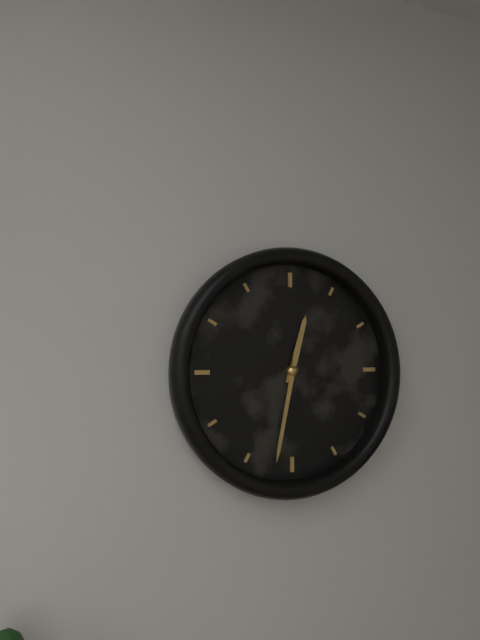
12:32
